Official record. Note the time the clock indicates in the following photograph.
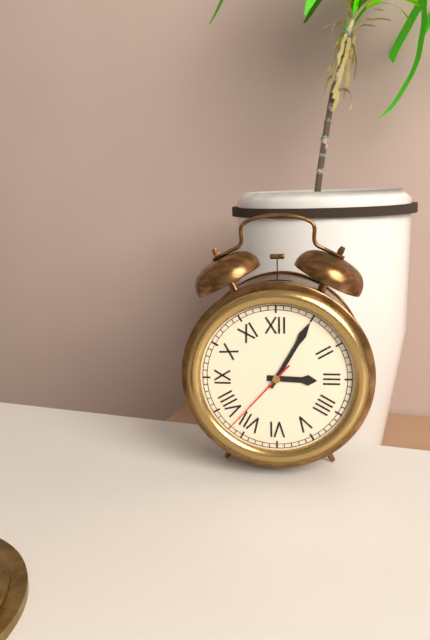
3:05:37
